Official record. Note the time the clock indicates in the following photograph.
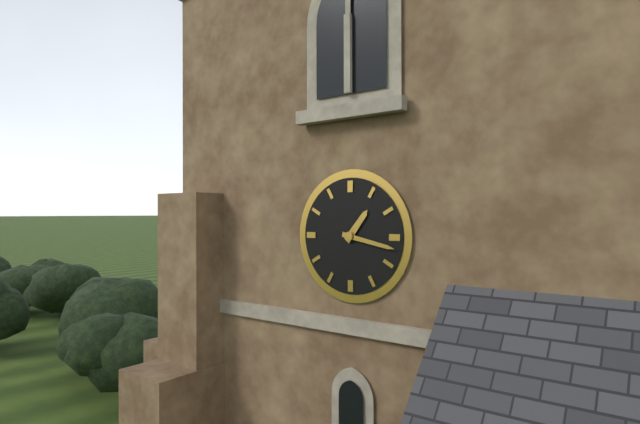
1:17
